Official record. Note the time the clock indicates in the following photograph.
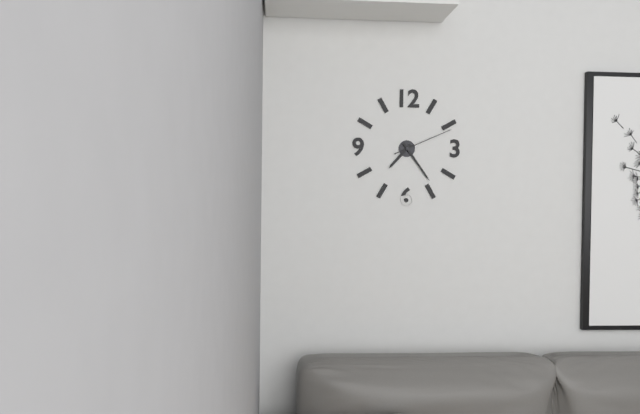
7:24:11
